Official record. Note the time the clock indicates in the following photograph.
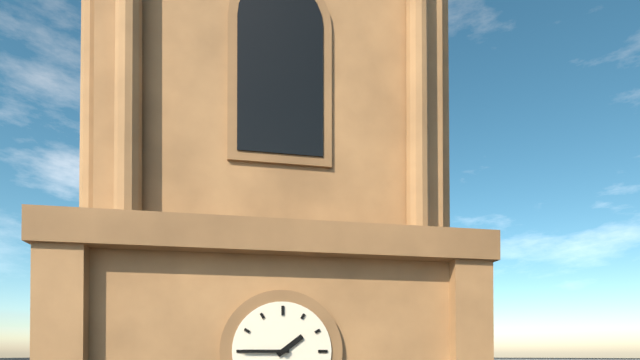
1:45
